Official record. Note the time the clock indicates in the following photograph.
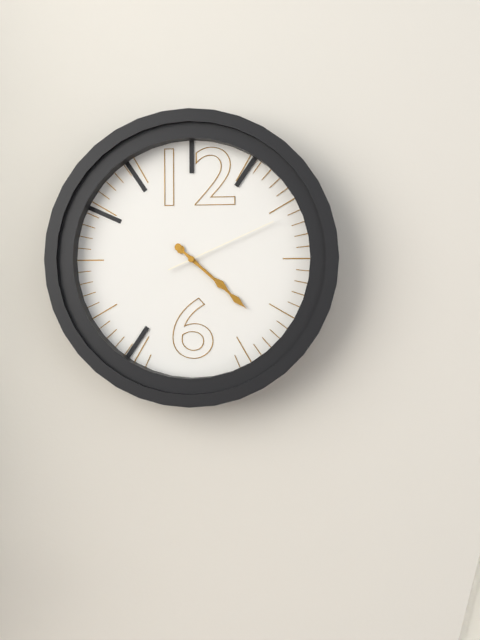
4:22:11
